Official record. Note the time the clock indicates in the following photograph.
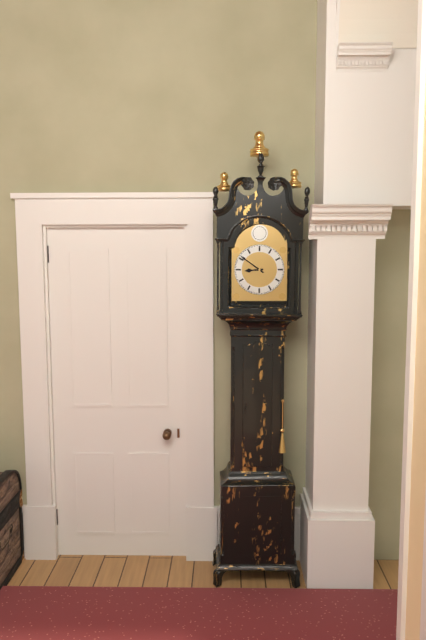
8:51
